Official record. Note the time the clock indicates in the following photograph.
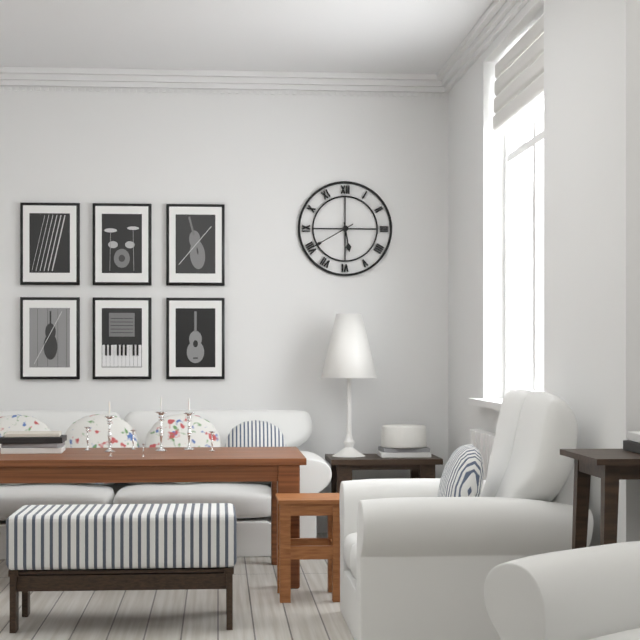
5:40
